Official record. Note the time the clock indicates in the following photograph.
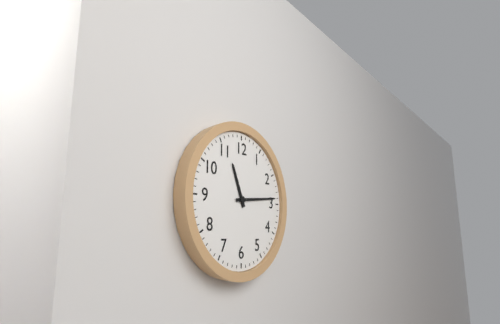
11:14
